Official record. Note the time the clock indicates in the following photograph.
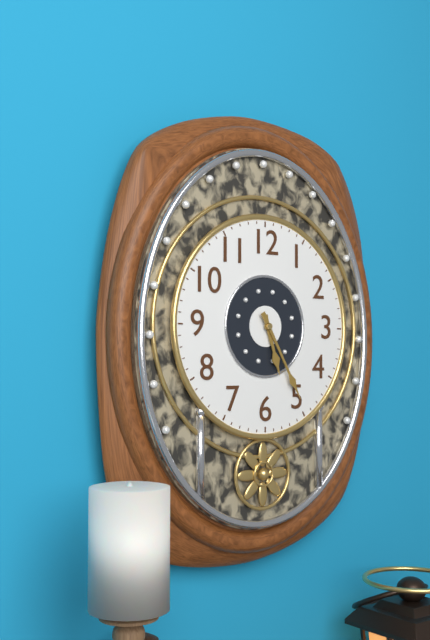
5:25
